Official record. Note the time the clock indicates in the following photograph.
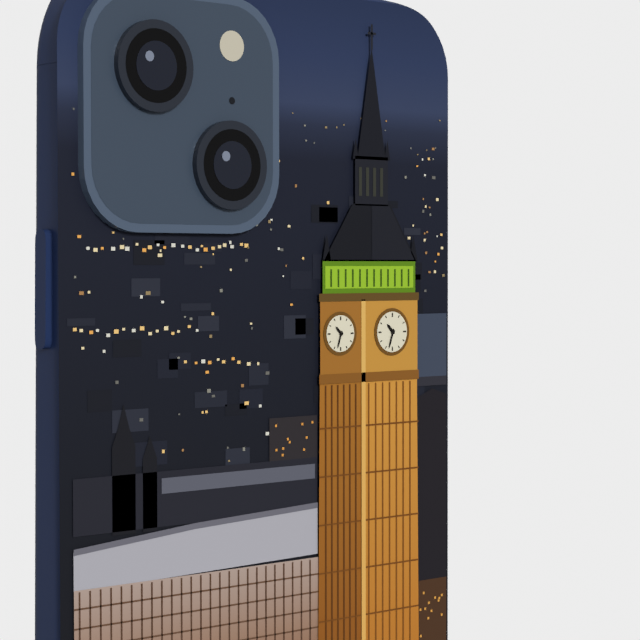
10:33
